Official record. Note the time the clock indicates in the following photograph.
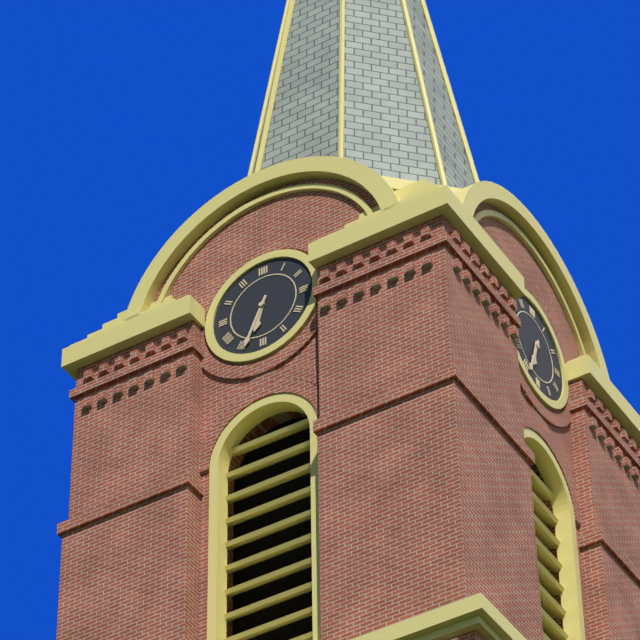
6:34
